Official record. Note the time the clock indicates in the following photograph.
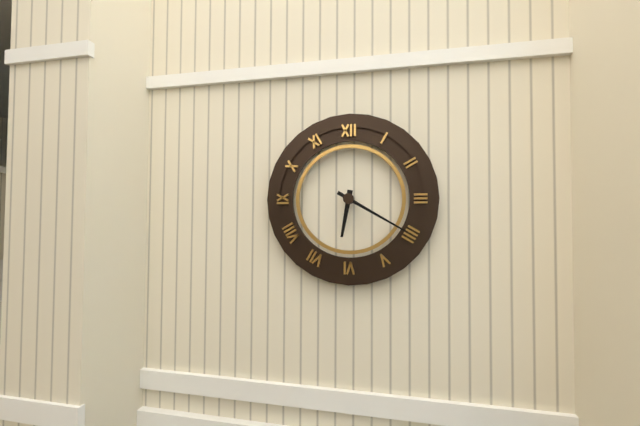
6:20
